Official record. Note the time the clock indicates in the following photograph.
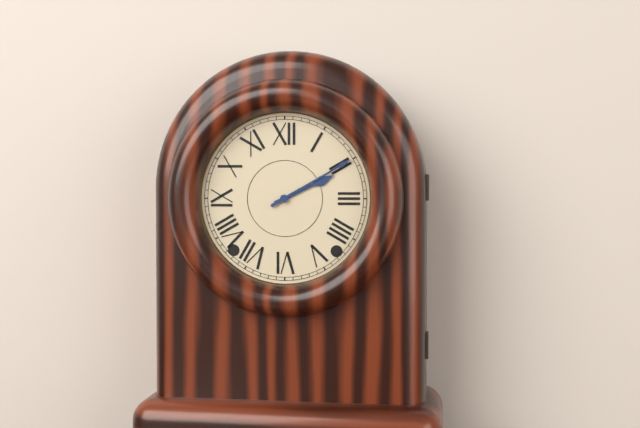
2:10
